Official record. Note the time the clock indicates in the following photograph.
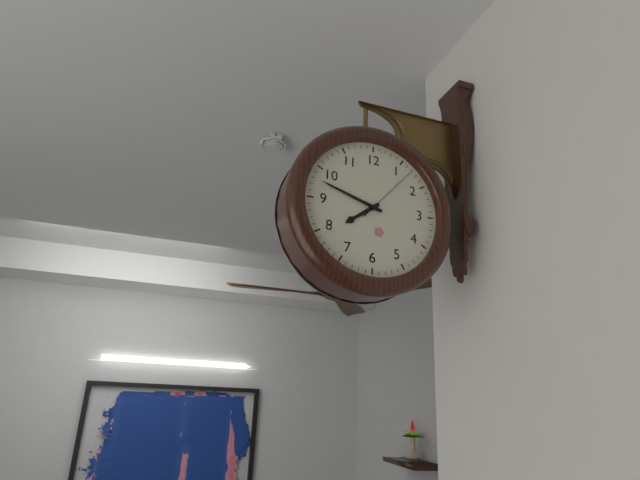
7:48:07
